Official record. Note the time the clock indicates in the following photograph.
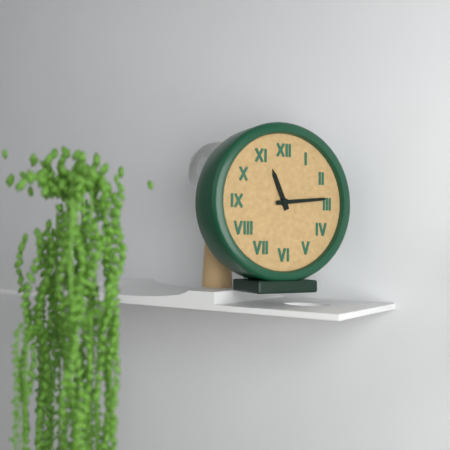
11:14
